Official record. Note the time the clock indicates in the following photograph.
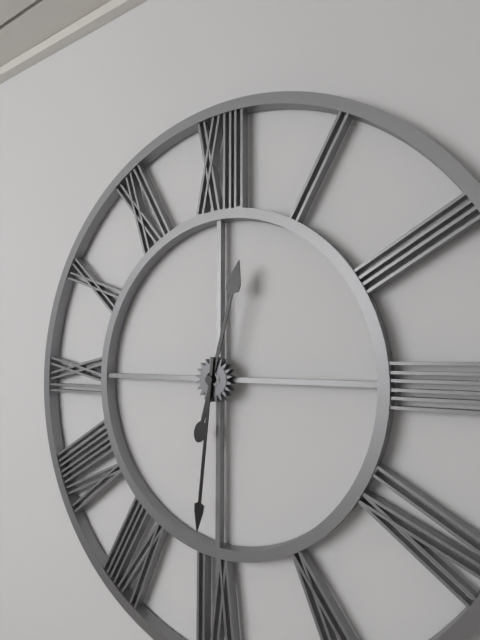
12:31
